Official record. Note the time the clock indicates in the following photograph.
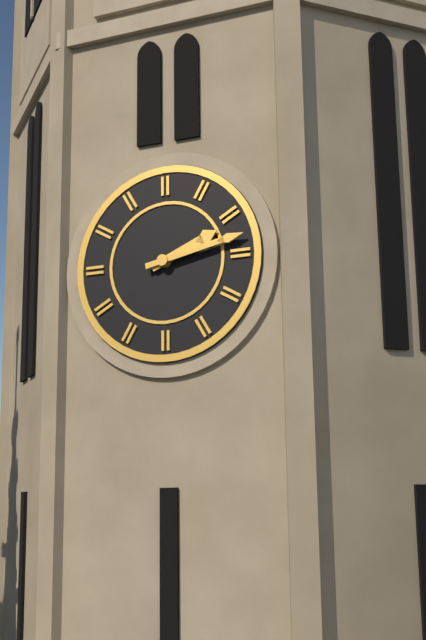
2:13
